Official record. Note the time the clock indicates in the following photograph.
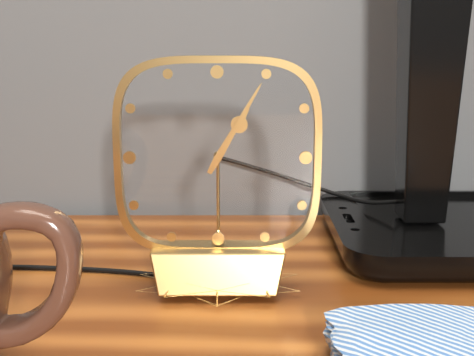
1:05
